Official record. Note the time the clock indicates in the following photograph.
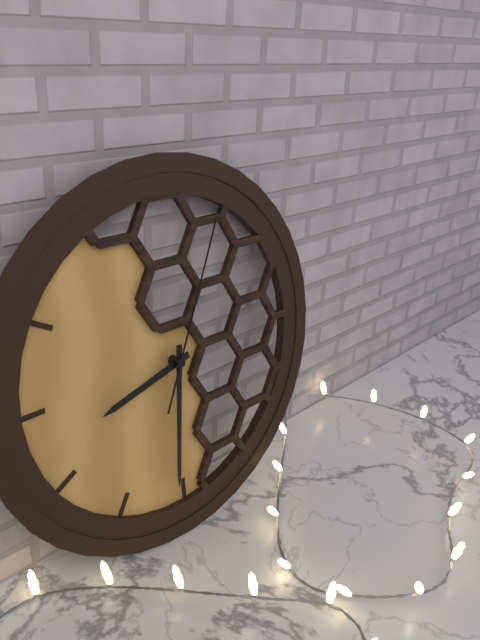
8:31:04
